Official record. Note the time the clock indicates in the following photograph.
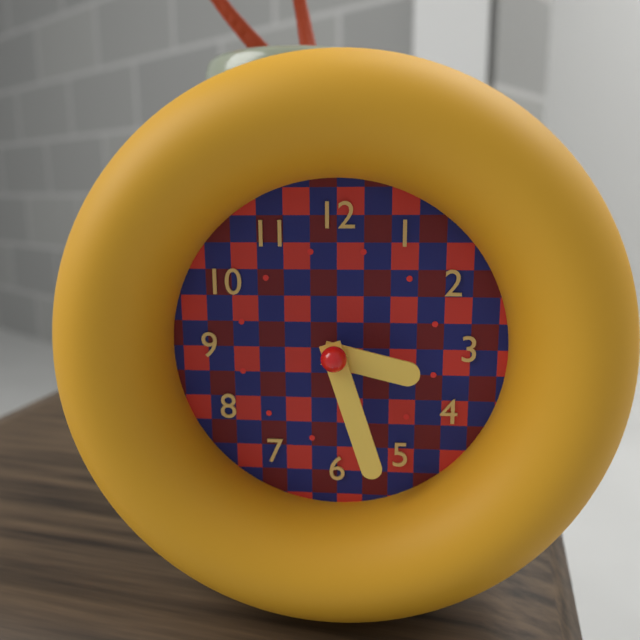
3:27
